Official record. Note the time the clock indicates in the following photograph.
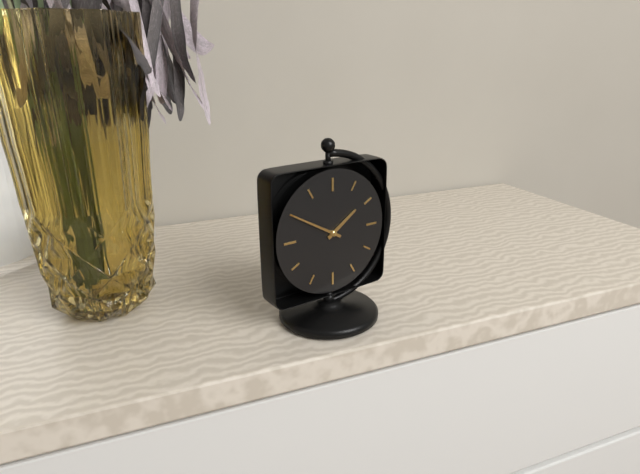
1:50
